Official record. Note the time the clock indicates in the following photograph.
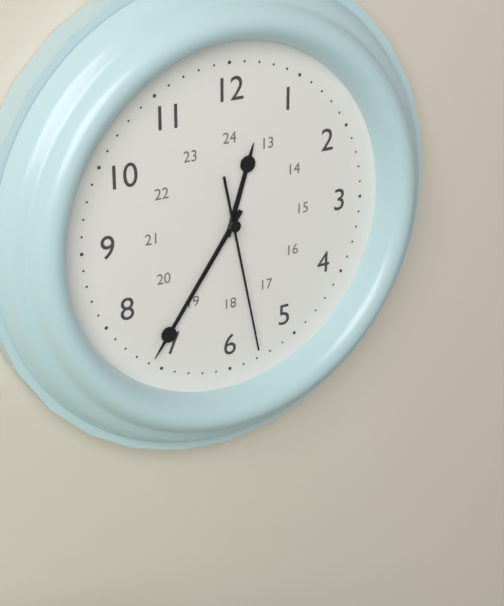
12:36:28
